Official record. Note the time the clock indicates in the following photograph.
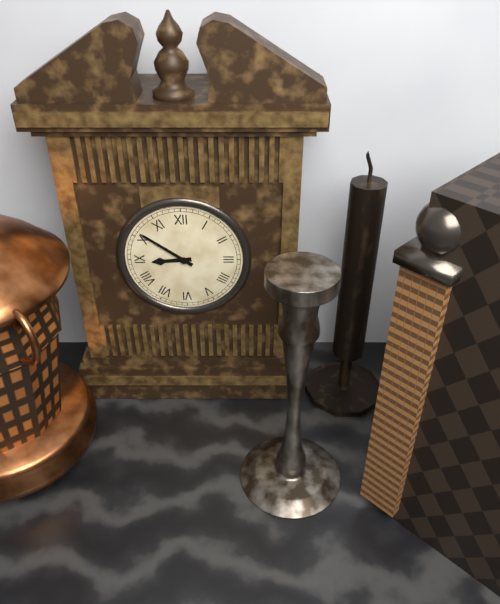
8:51
